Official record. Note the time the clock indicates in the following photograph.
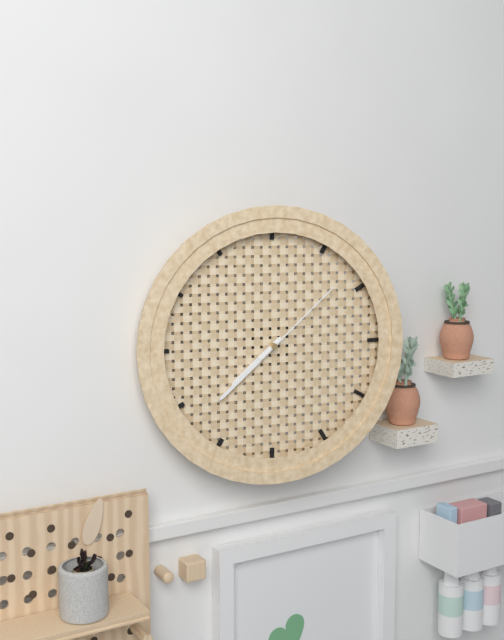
7:38:08
